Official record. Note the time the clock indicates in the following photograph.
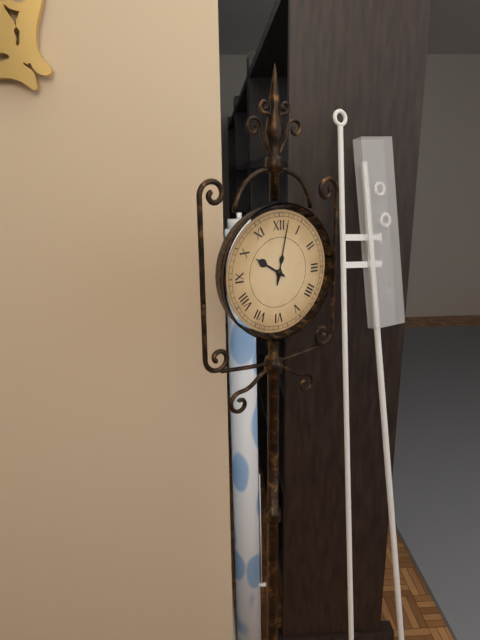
10:02
